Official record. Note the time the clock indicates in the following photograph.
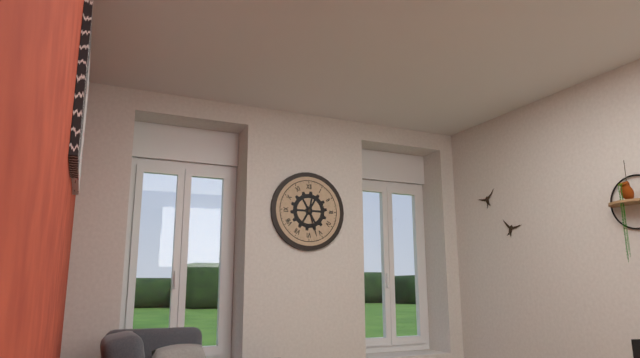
12:27
